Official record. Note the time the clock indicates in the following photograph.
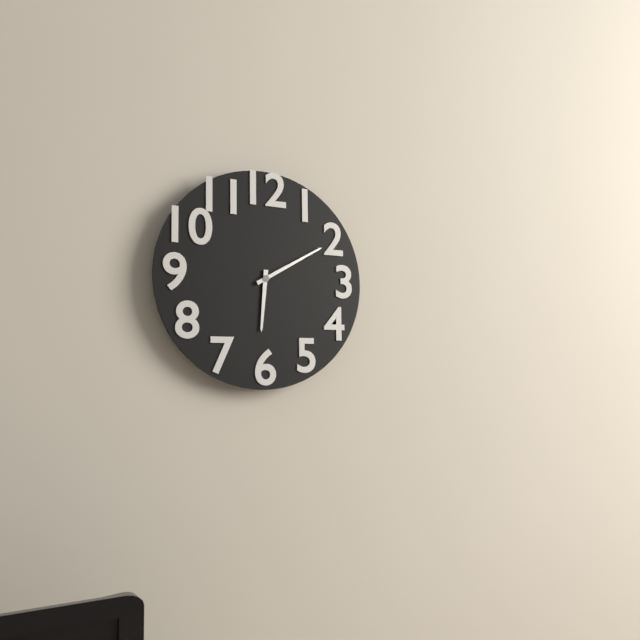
6:10
